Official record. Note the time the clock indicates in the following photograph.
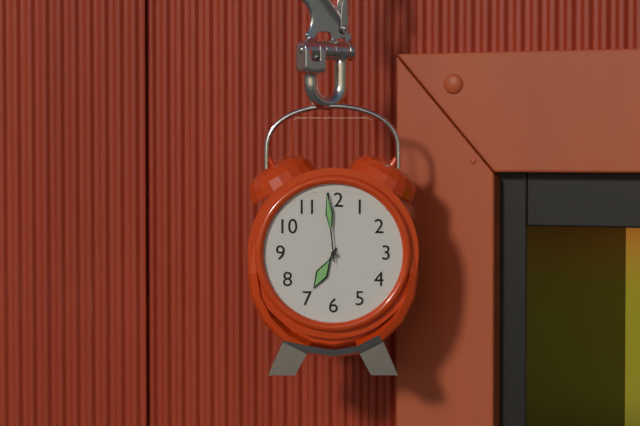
6:59
